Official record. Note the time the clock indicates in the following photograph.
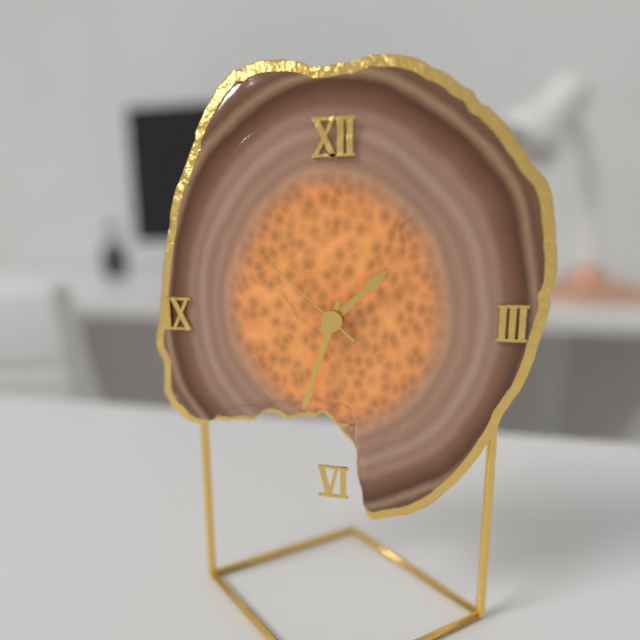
1:33:52
